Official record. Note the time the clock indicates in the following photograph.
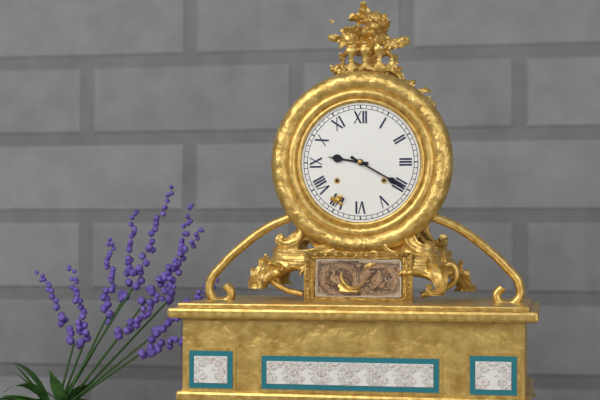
9:20
